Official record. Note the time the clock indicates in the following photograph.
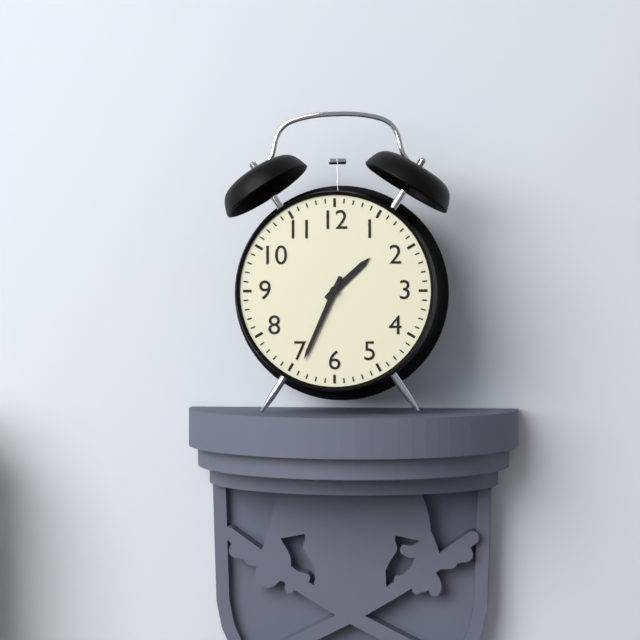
1:34
